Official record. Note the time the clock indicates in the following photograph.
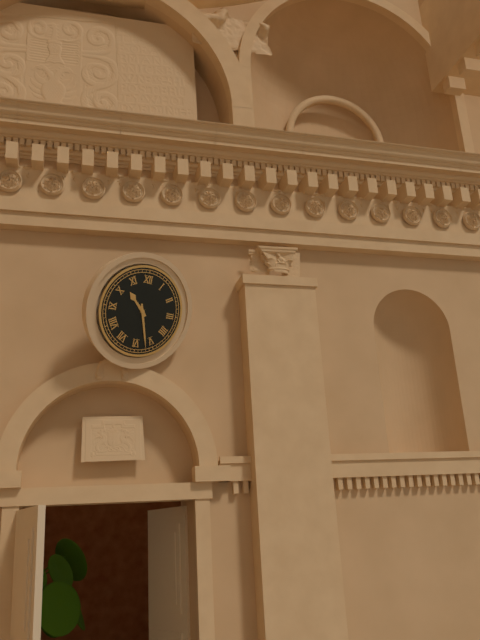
10:27
